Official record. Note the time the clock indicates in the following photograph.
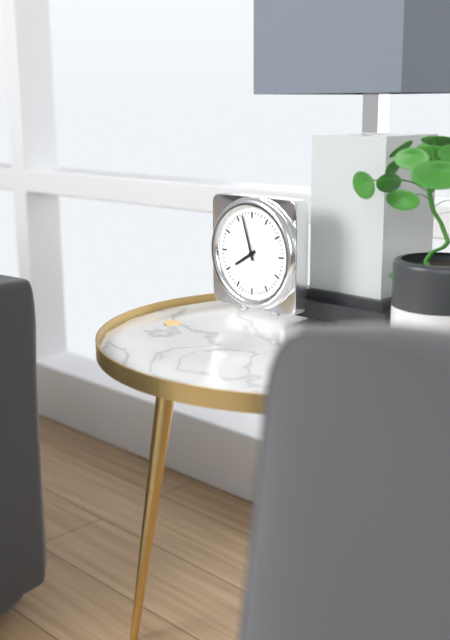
7:57
